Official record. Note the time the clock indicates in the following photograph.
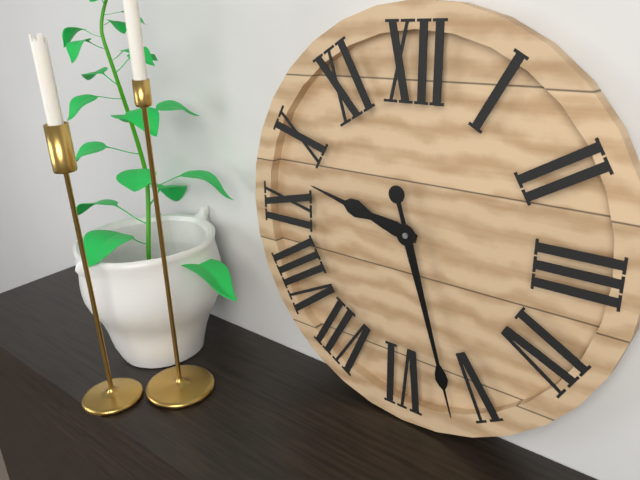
9:27
